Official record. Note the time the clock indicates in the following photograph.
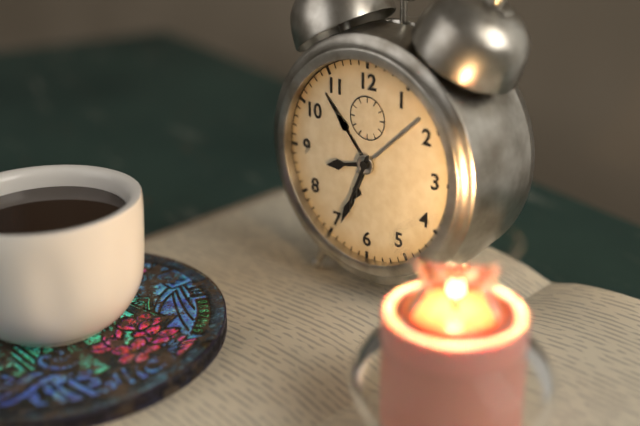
8:34
